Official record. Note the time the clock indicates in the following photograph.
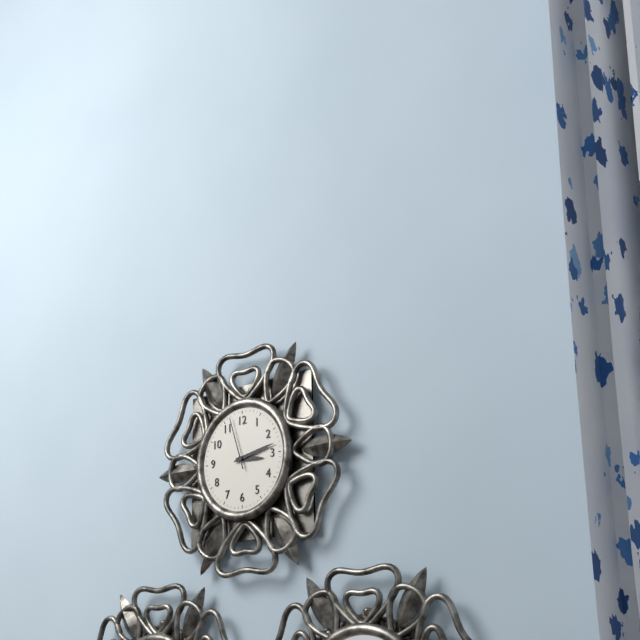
3:13:57
